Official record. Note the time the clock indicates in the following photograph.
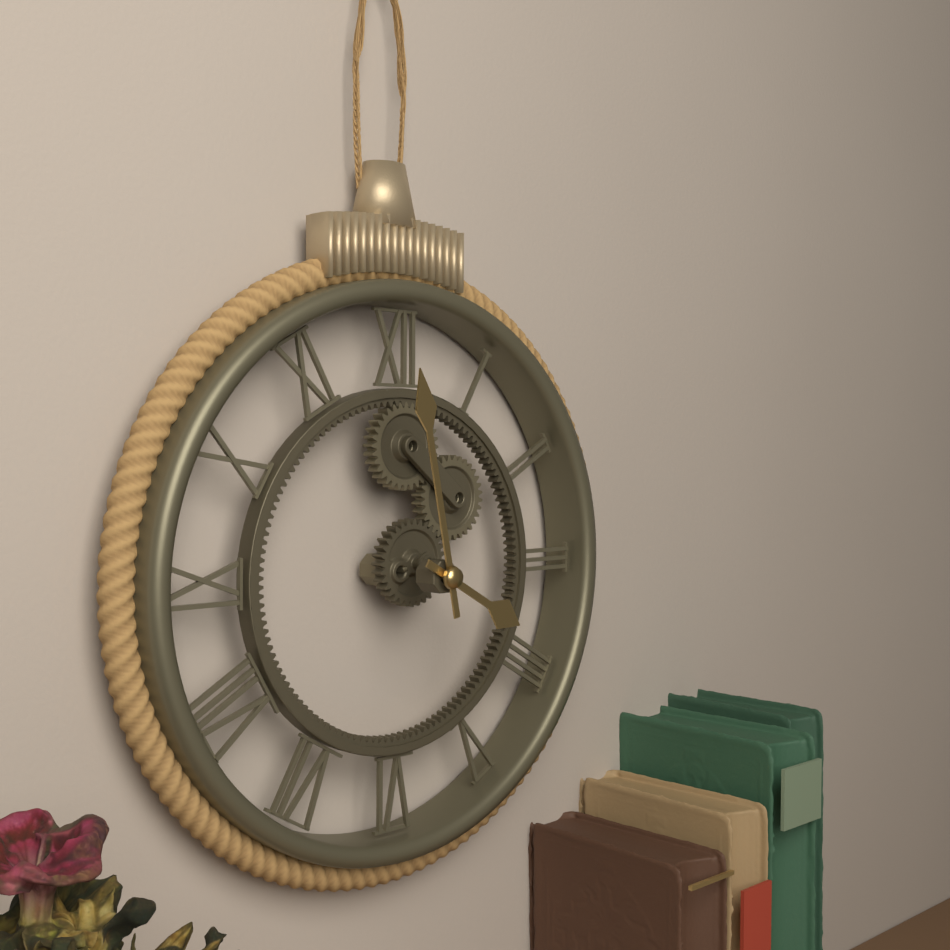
3:58
